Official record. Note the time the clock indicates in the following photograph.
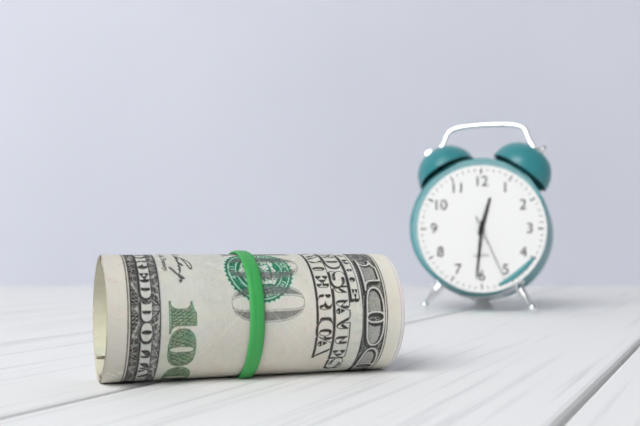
12:31:26
